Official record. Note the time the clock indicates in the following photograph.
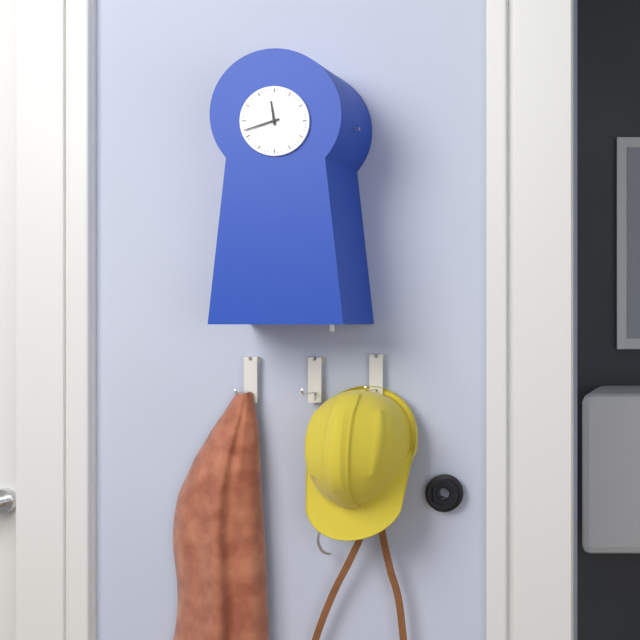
11:42
